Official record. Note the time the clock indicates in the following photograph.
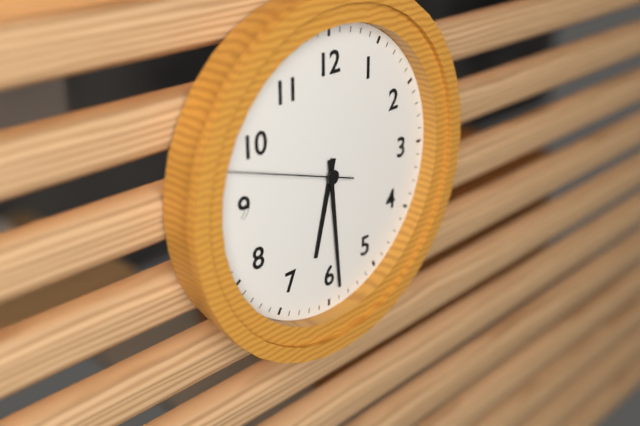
6:29:48
